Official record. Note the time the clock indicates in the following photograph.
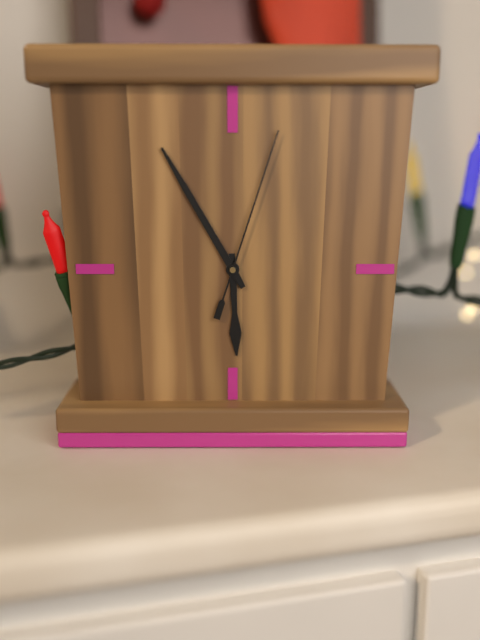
5:55:03
